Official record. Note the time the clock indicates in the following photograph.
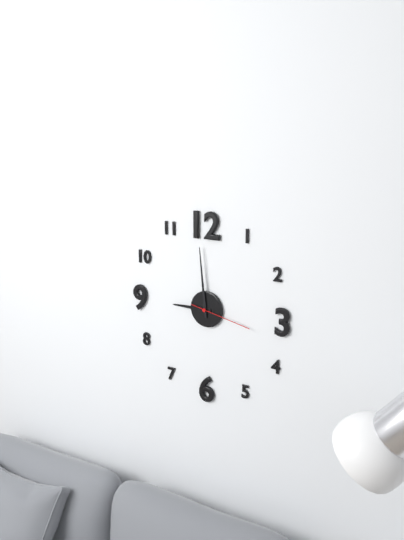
8:59:17
